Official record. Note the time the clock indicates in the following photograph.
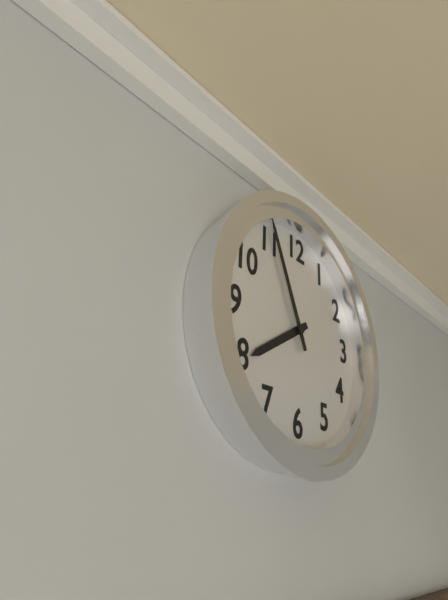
7:56
